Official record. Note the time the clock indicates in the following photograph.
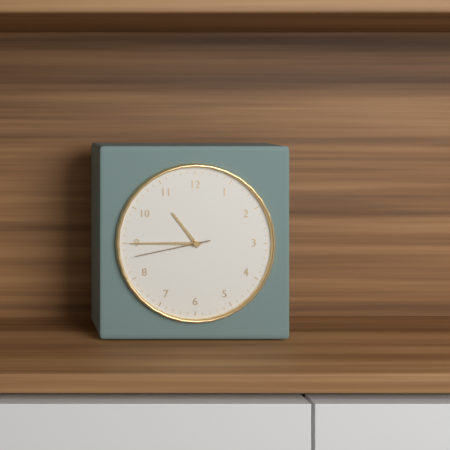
10:45:43
